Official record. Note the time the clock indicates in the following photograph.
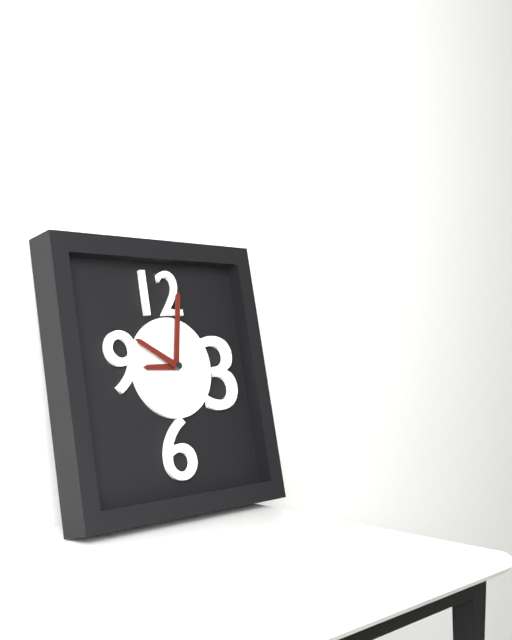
9:02:50
